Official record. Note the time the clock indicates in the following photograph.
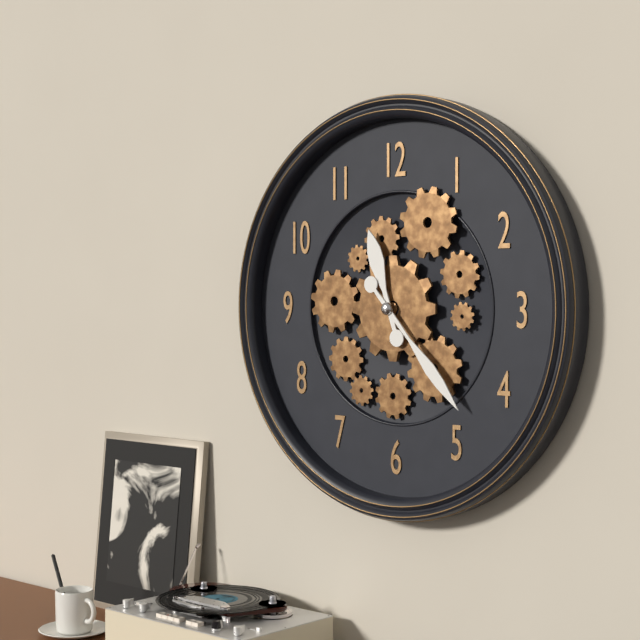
11:23
